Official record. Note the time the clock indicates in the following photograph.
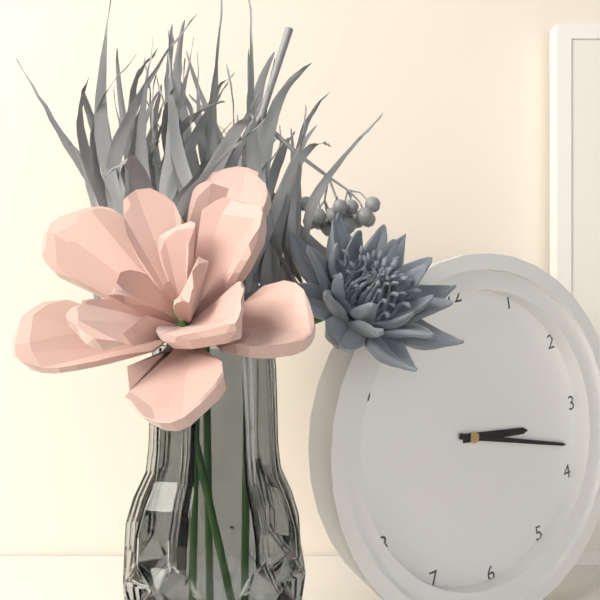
3:18
